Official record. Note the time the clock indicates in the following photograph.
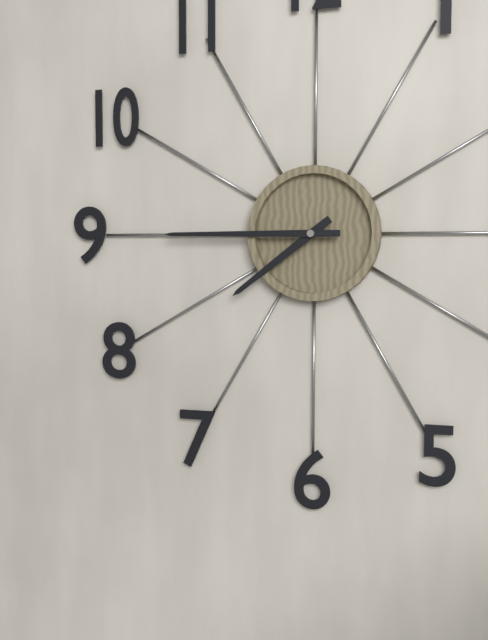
7:45
